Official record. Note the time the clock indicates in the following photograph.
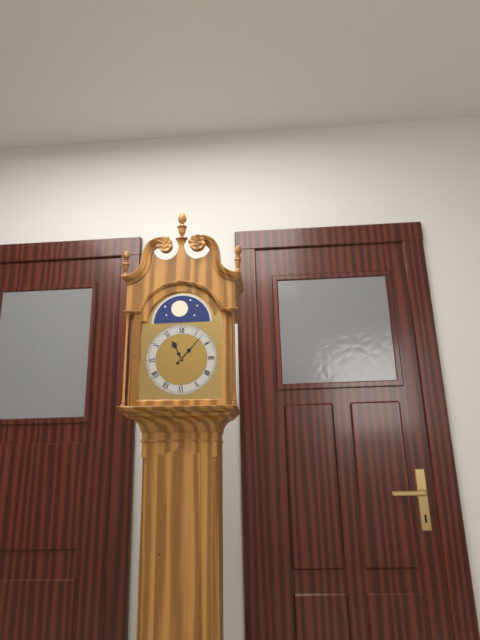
11:07
